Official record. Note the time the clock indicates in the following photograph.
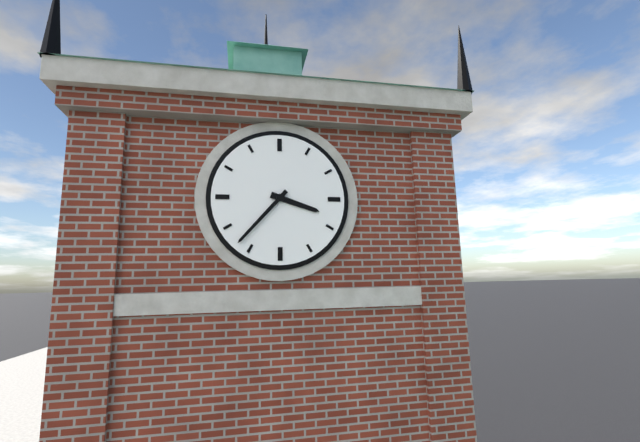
3:37
